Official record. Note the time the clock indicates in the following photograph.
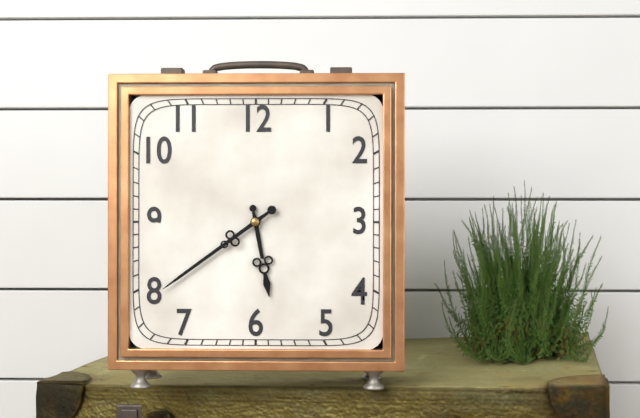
5:39
